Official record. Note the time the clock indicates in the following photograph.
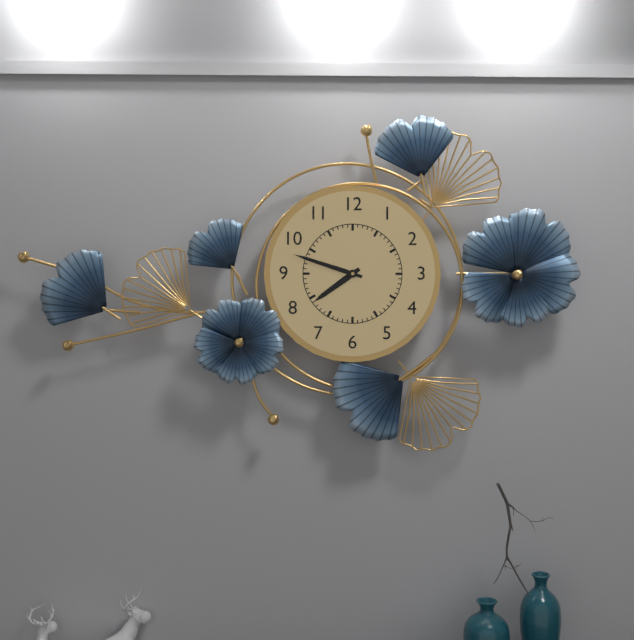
7:48
